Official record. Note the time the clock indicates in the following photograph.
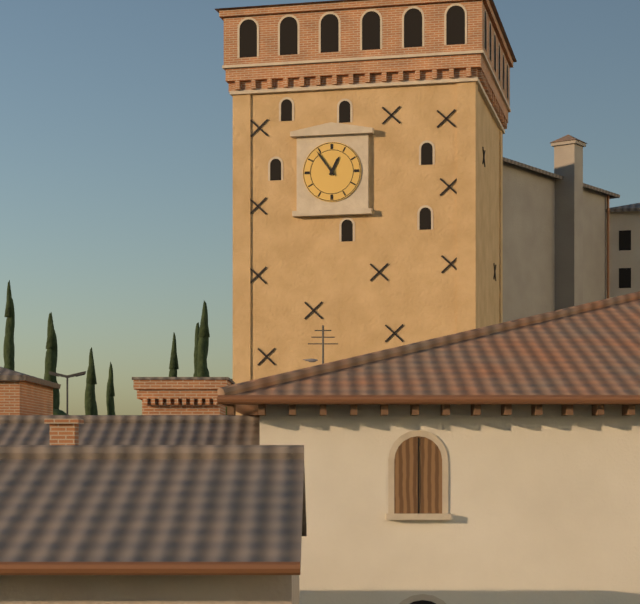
12:54
